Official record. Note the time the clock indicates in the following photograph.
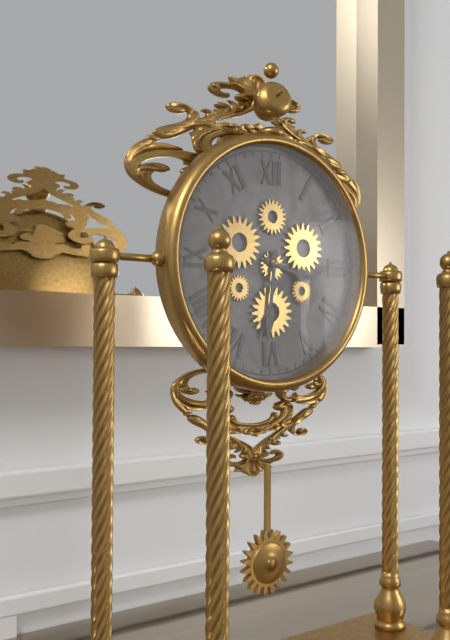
3:31
